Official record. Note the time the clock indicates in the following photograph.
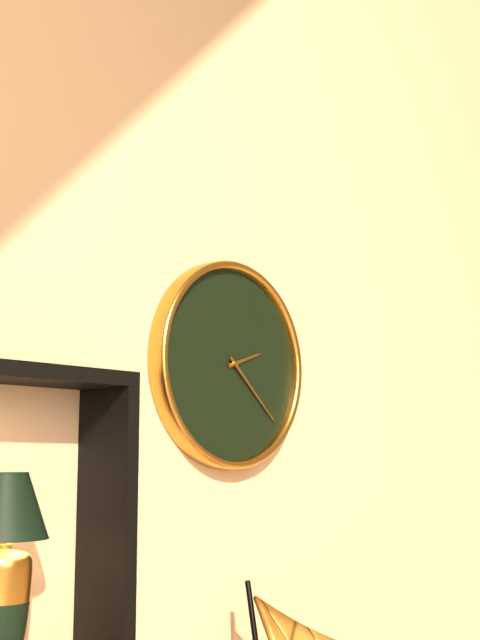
2:22
